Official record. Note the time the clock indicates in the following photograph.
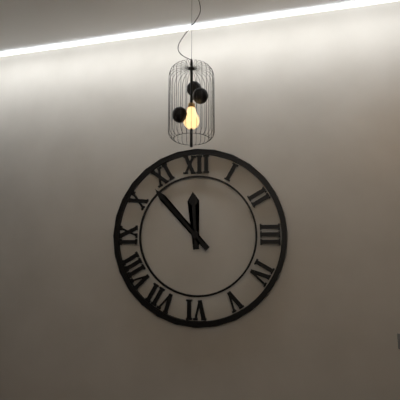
11:53
